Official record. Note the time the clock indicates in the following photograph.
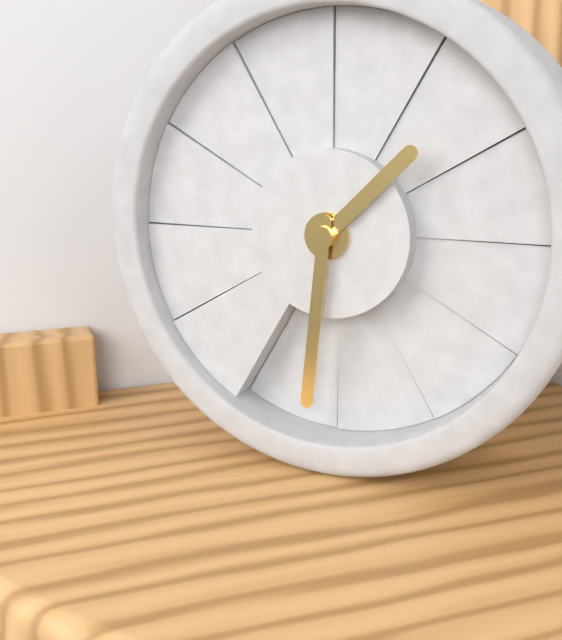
1:31
